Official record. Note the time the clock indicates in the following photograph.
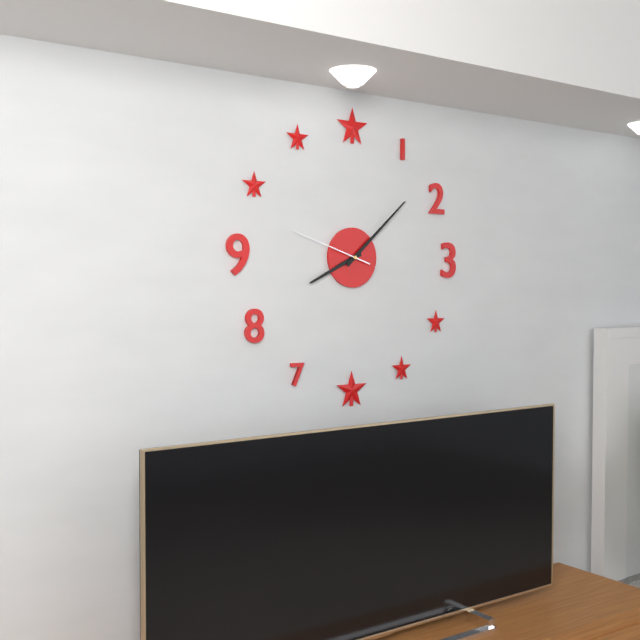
8:08:48
